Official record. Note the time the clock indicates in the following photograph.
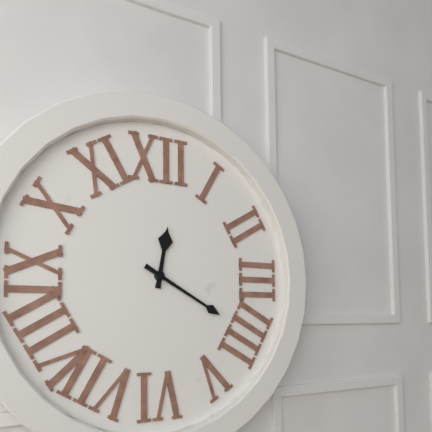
12:20
